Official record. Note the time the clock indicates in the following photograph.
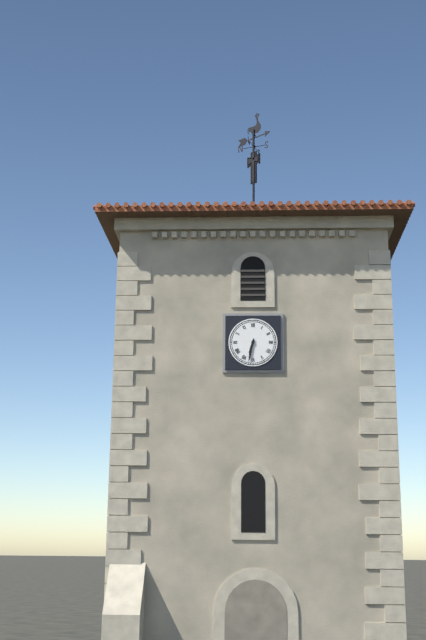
6:32
